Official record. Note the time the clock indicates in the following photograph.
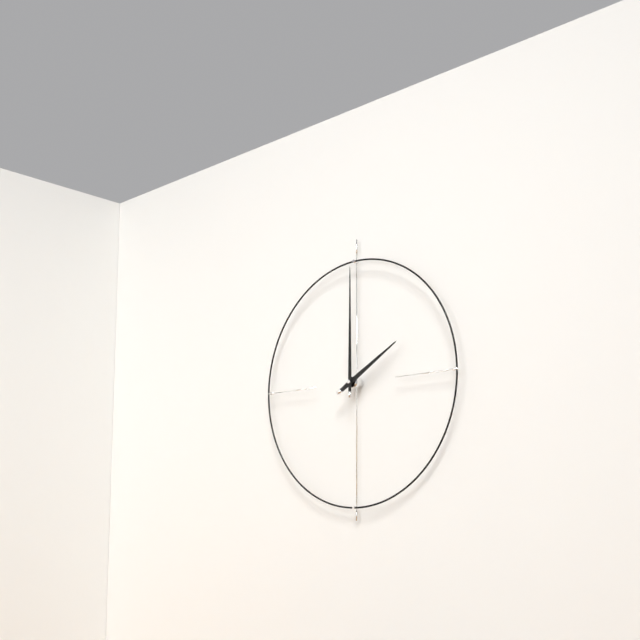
2:00
